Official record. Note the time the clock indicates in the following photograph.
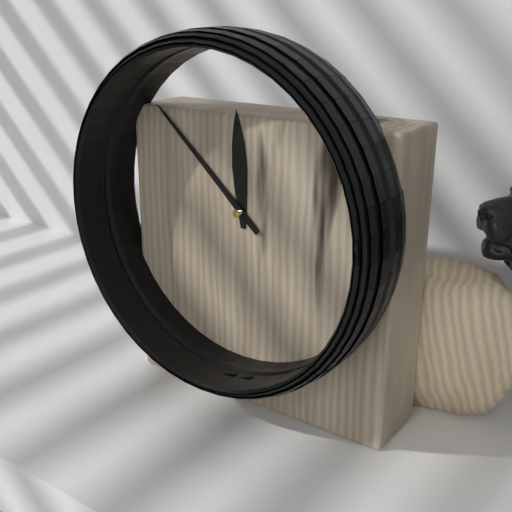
11:52
